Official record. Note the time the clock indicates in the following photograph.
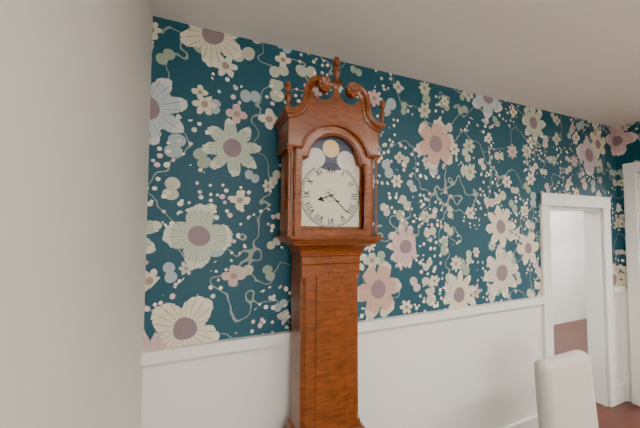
8:22
